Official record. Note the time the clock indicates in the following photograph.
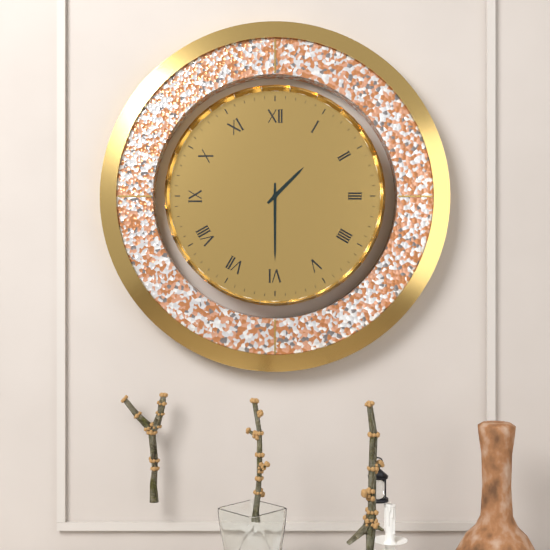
1:30
